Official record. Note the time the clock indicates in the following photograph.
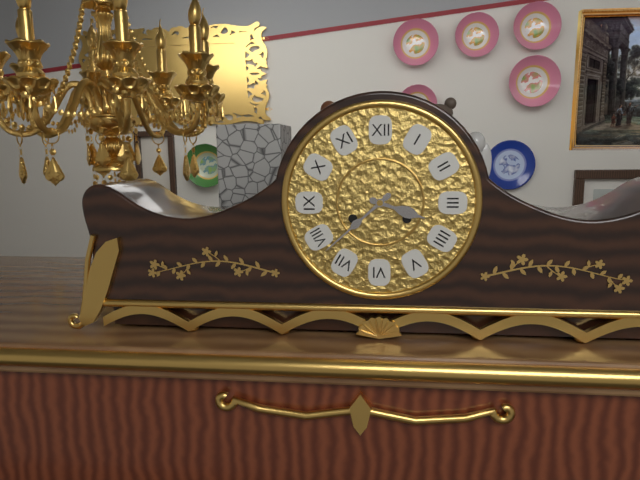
3:38
